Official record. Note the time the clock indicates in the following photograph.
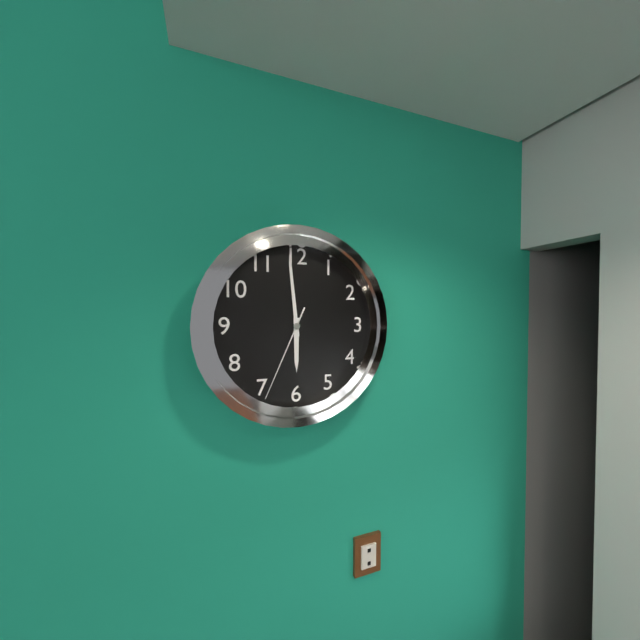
5:59:34
